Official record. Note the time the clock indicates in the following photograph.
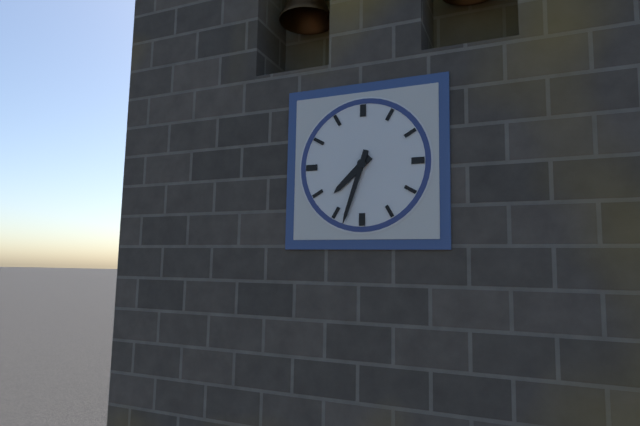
7:33
